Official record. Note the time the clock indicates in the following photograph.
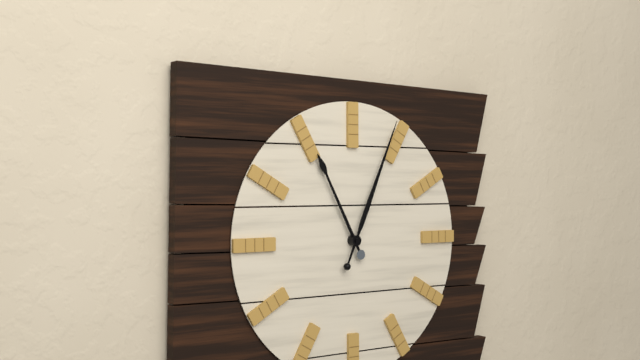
11:04
